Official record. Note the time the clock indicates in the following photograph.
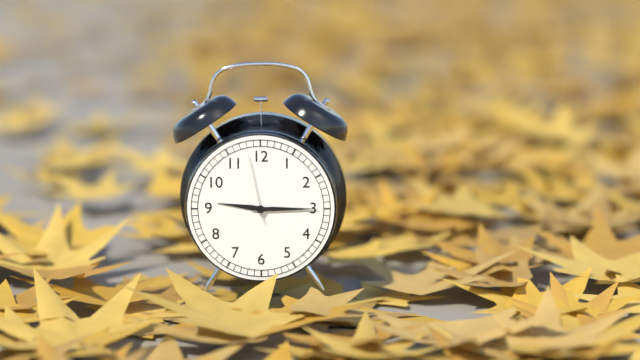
9:15:58
